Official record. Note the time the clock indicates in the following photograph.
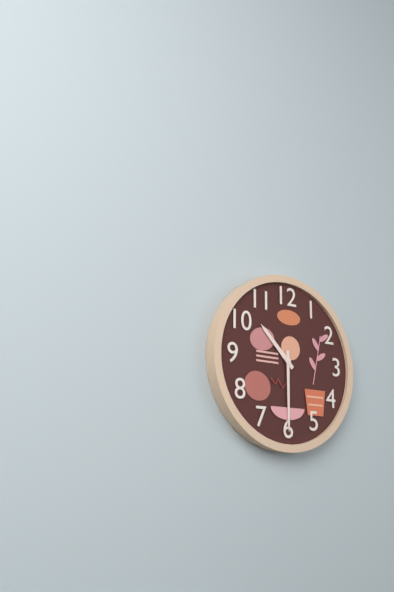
10:30
